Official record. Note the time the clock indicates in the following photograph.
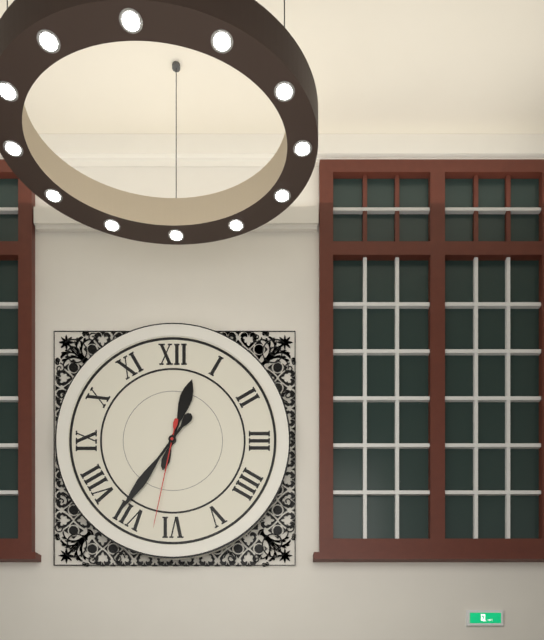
12:36:32
